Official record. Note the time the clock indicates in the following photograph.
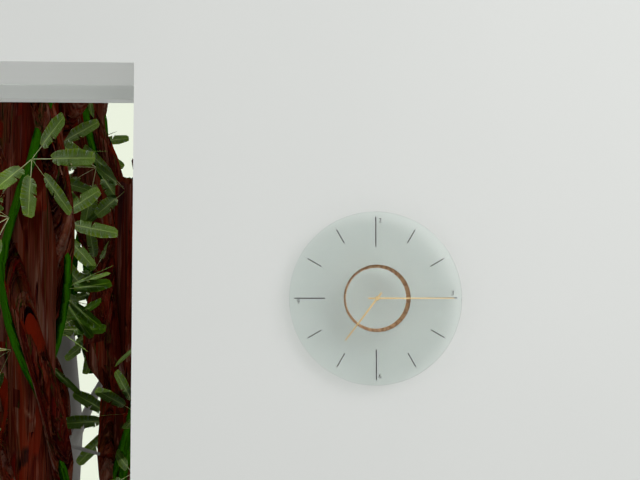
7:15
